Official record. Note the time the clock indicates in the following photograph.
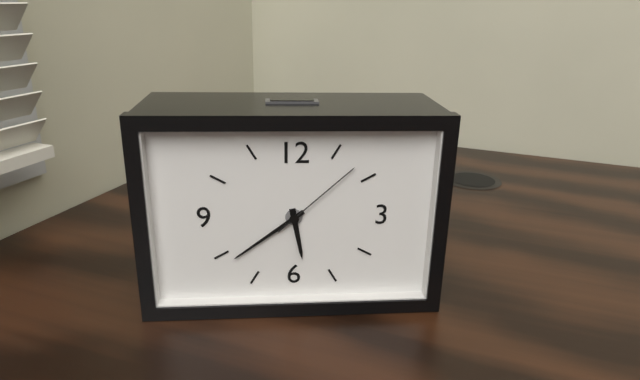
5:39:08
